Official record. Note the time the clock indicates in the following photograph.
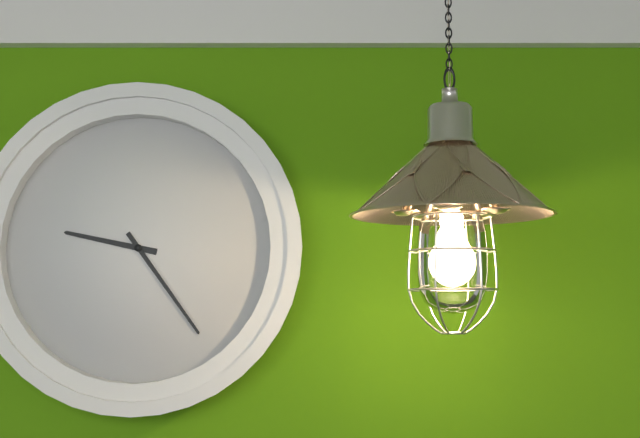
9:24
